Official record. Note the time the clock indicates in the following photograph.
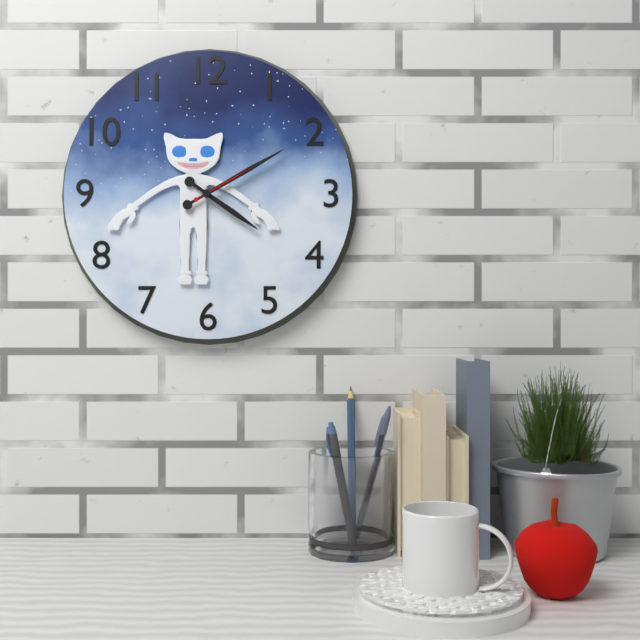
4:10:10
